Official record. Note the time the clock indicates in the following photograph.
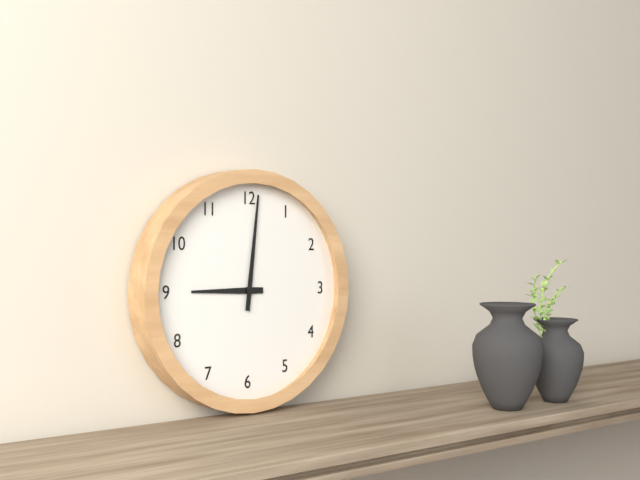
9:01
